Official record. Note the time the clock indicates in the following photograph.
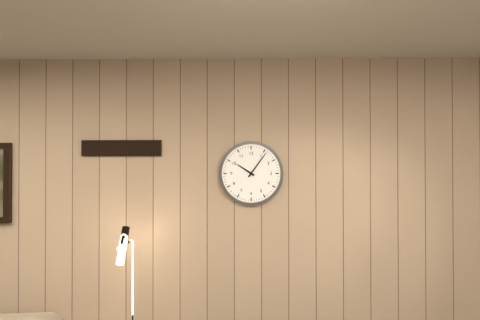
10:06
